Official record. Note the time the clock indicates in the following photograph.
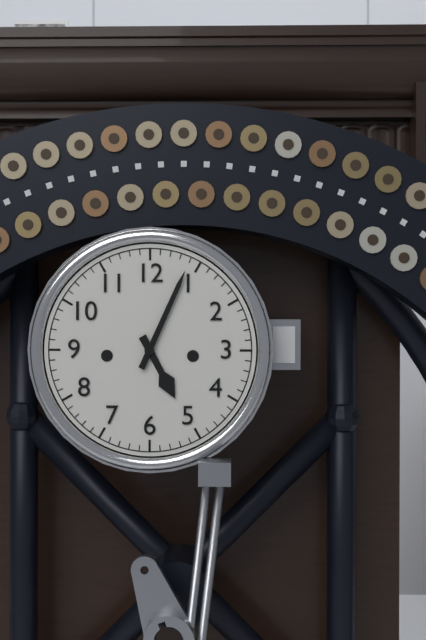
5:04
